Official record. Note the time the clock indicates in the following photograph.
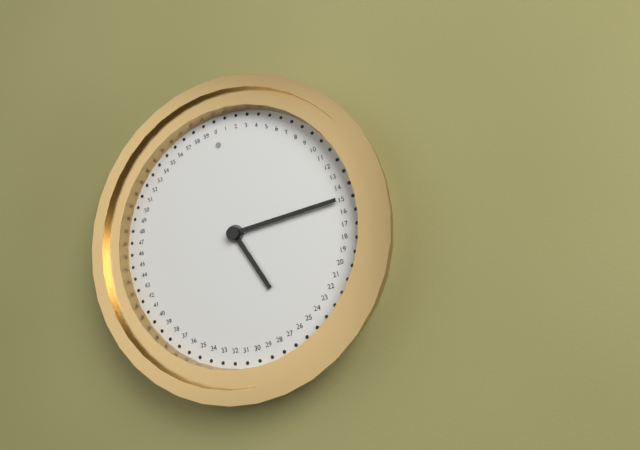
5:15
